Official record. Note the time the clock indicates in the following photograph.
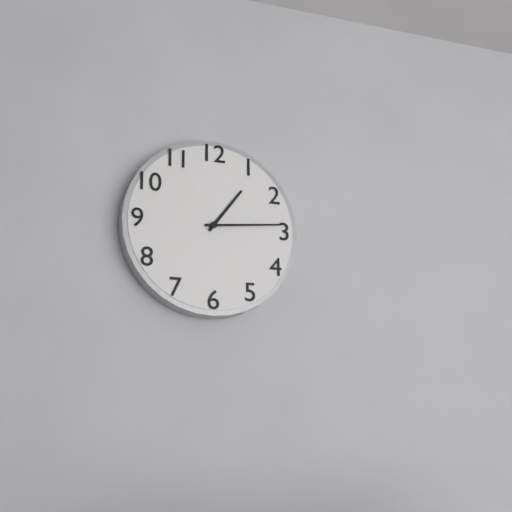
1:14
